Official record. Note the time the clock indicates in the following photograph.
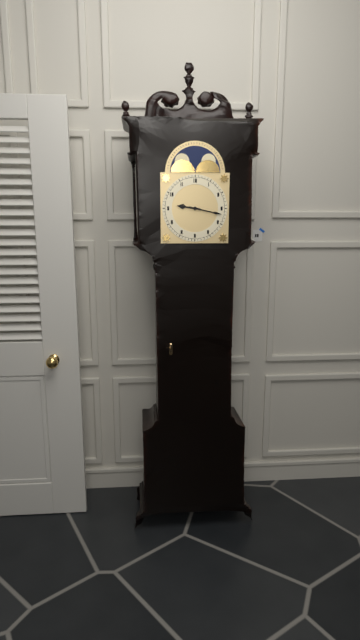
9:17
